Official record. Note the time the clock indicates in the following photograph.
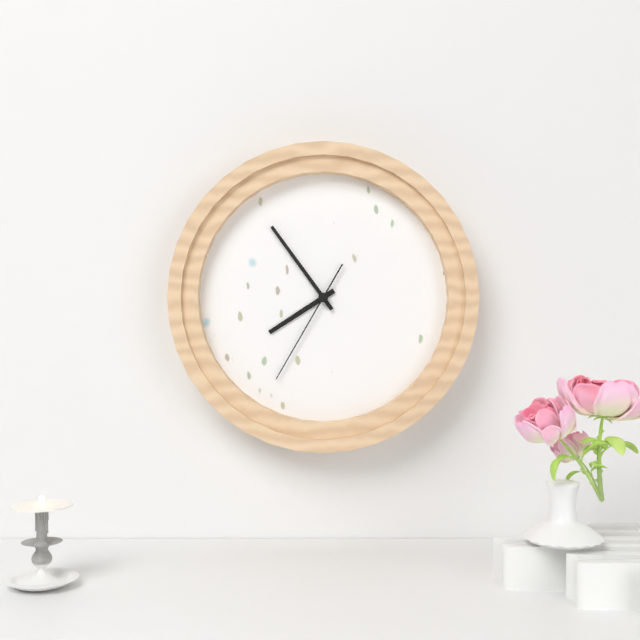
7:54:35
